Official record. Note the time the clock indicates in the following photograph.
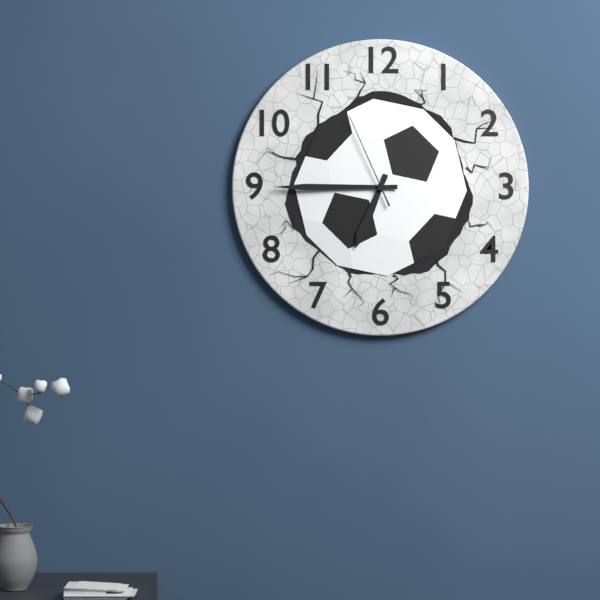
6:45:56
